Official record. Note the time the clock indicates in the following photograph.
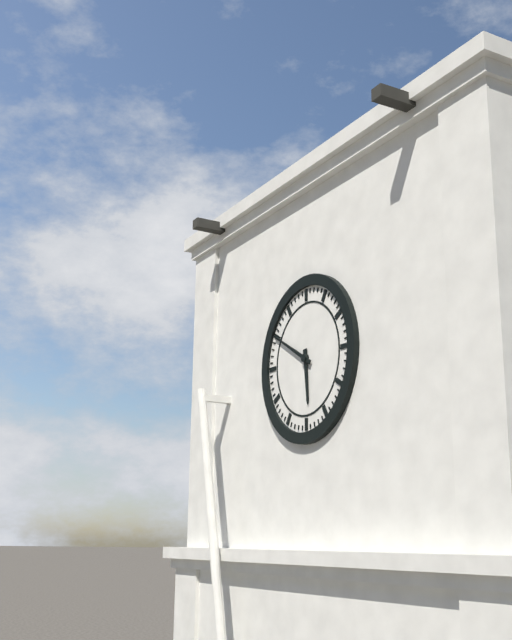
5:50
